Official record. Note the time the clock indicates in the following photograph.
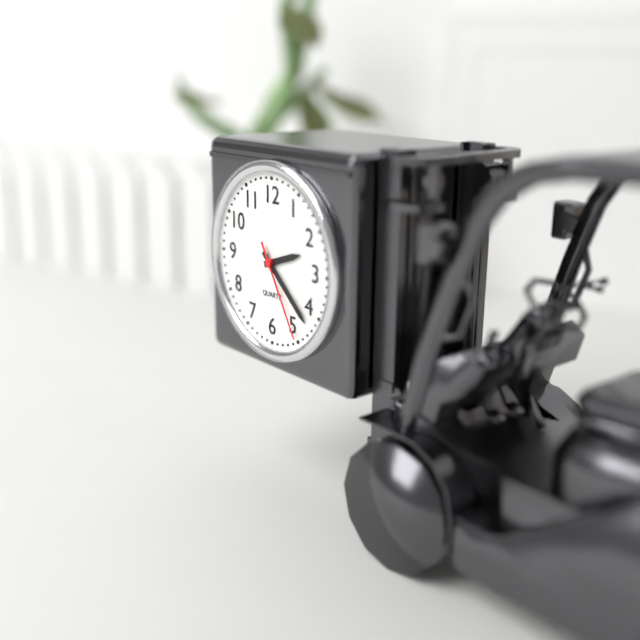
2:22:25
